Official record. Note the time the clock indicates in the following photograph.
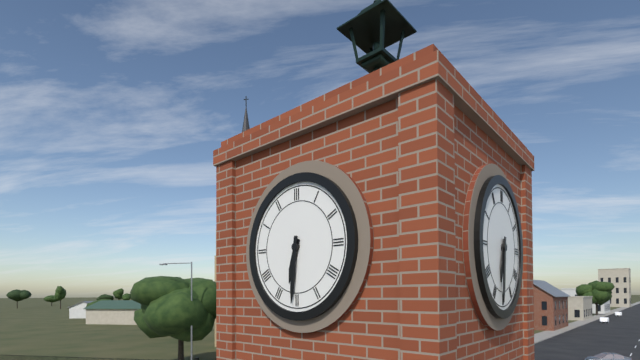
6:31
